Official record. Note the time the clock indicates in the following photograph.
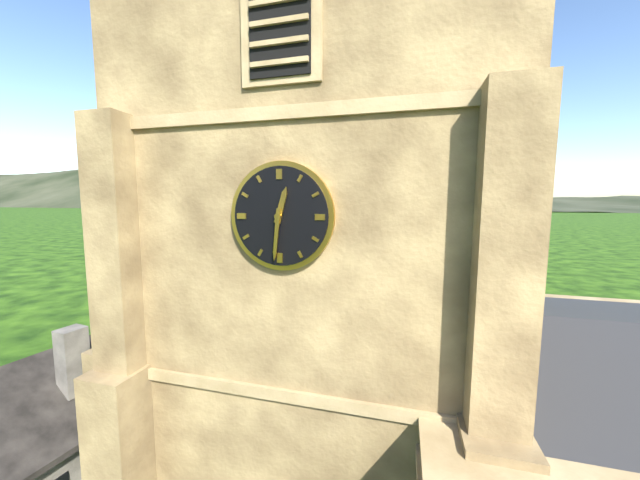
12:31
